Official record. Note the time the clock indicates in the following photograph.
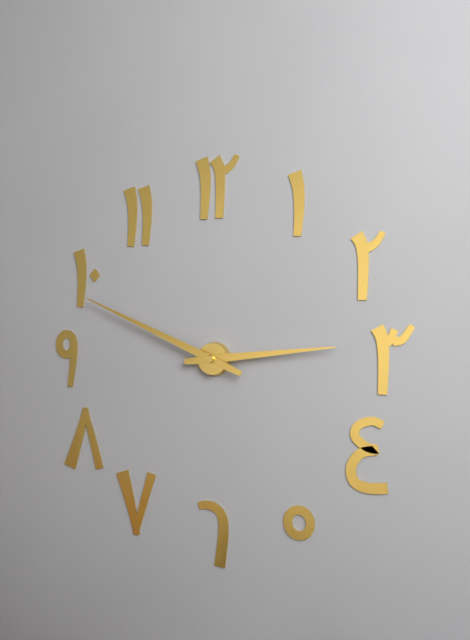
2:49
